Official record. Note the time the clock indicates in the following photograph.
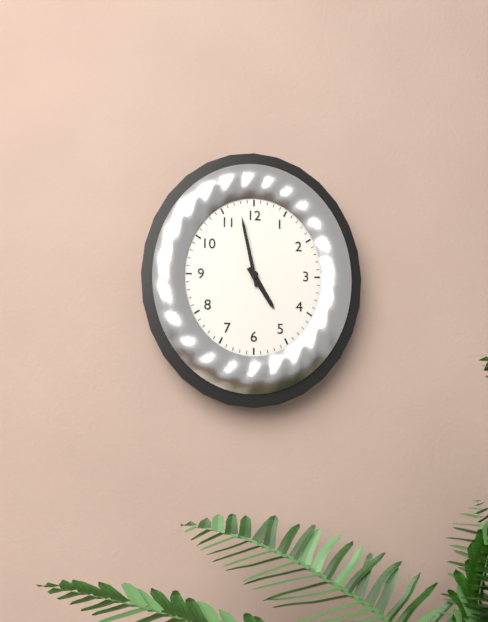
4:58
